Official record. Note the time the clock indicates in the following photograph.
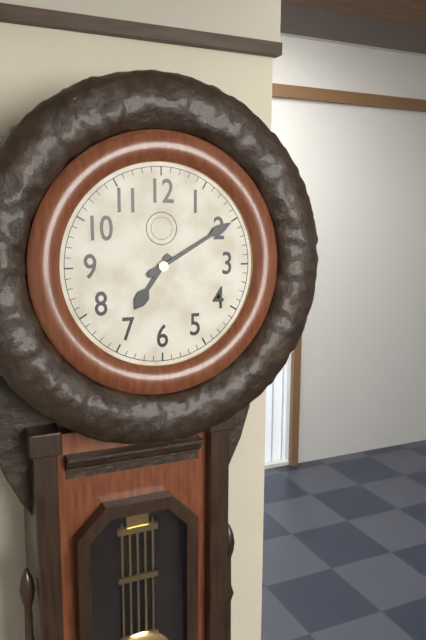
7:10
